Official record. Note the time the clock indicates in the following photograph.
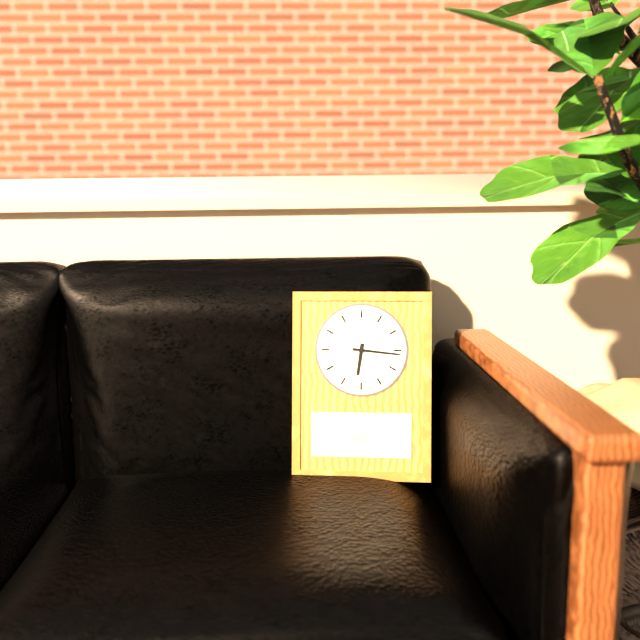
6:16
